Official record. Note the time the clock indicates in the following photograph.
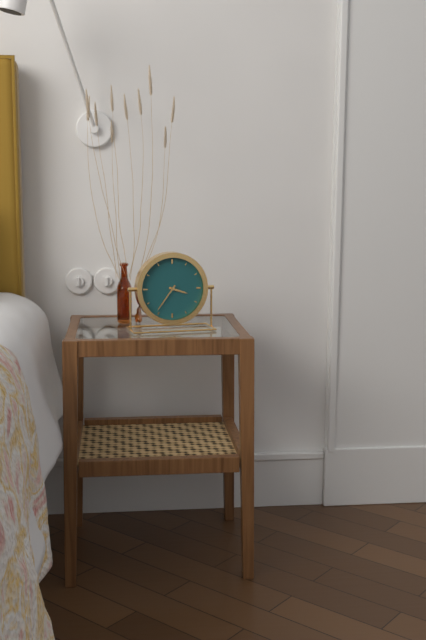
3:36
